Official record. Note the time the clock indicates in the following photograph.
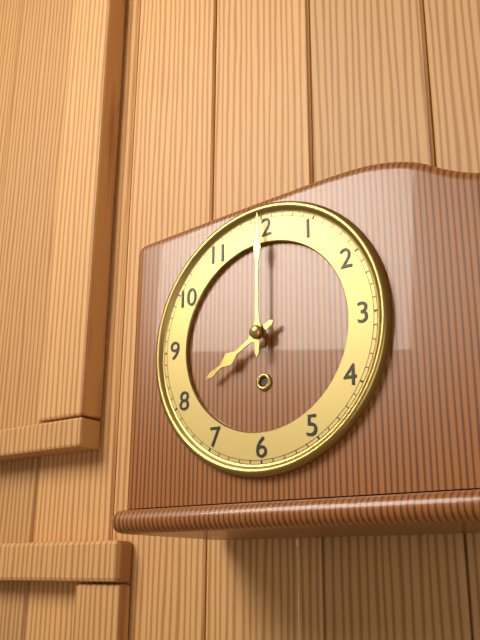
8:00
